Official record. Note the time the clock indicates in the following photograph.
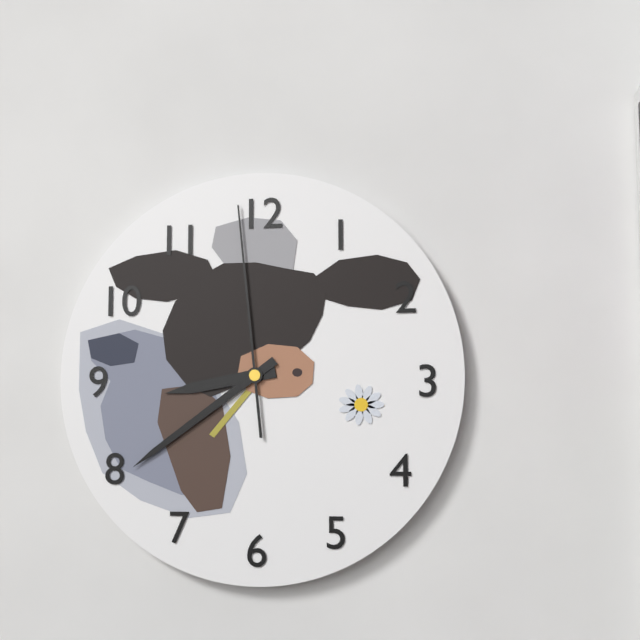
8:39:59
